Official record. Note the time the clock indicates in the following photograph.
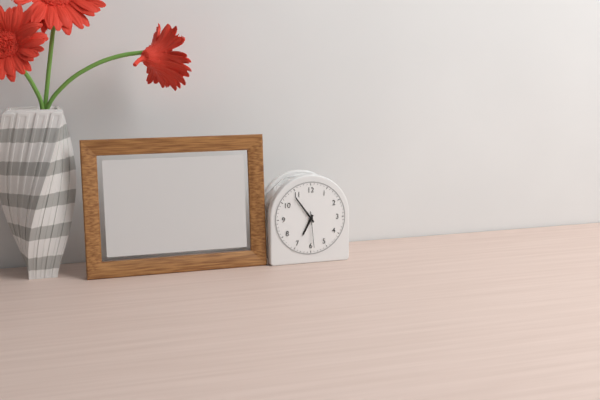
6:54
